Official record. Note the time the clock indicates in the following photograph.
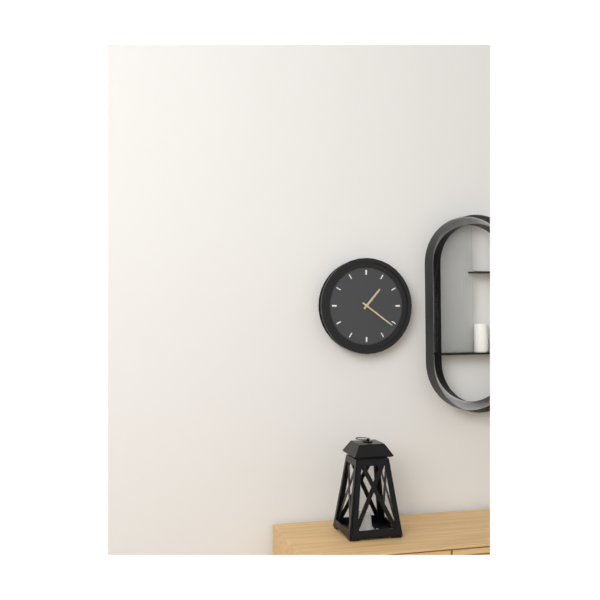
1:21
